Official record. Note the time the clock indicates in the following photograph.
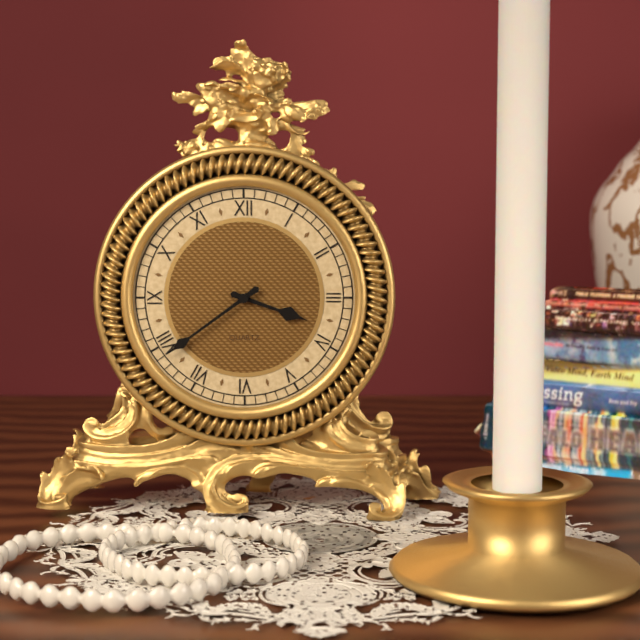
3:39
